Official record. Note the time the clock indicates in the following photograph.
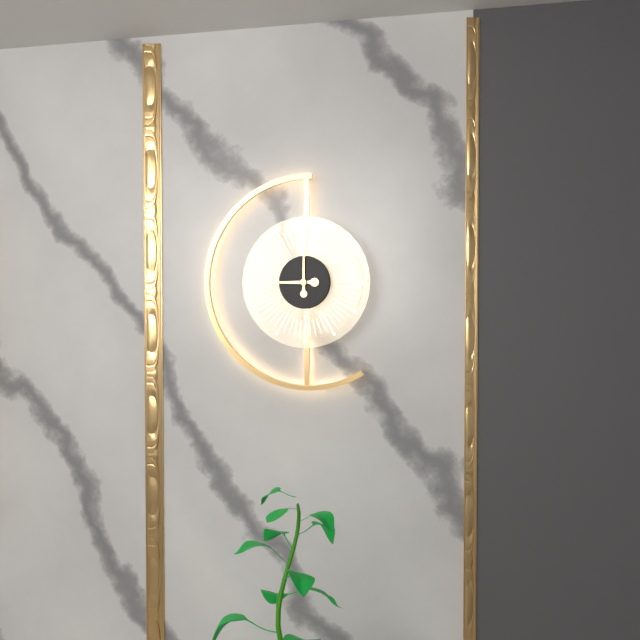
9:00
